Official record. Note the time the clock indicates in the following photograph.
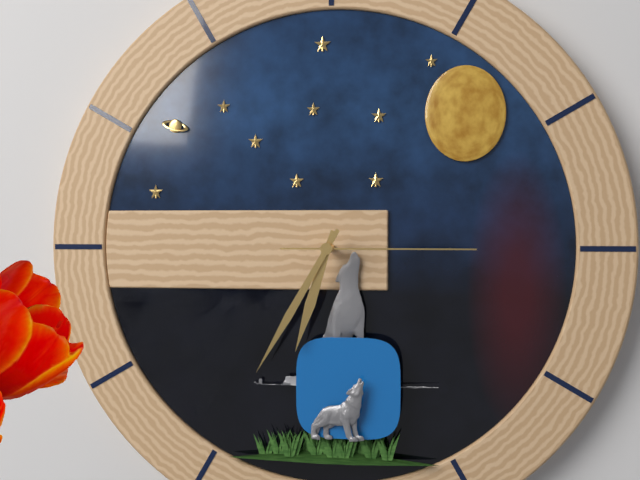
6:35:15
